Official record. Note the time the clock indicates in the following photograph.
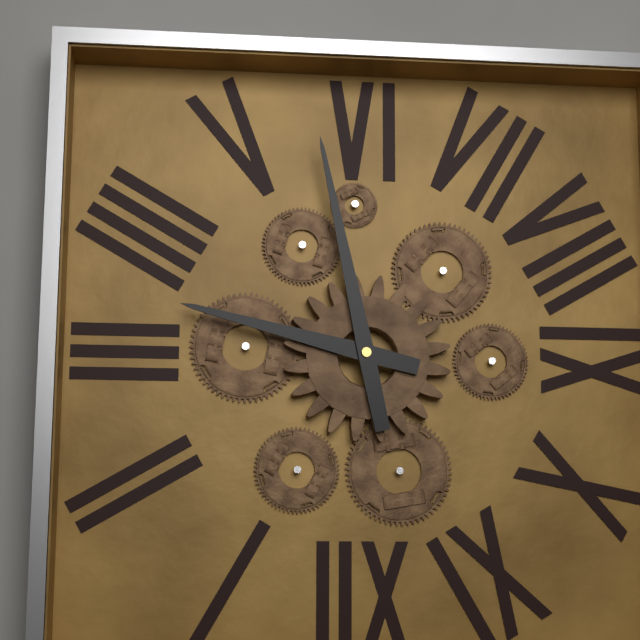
3:28
